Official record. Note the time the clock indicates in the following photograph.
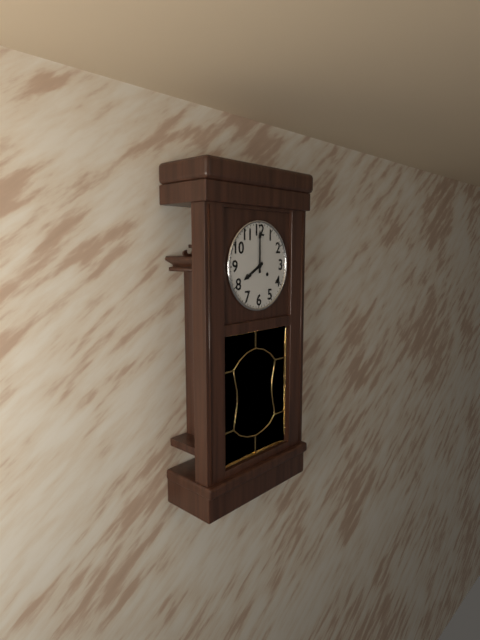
8:00
